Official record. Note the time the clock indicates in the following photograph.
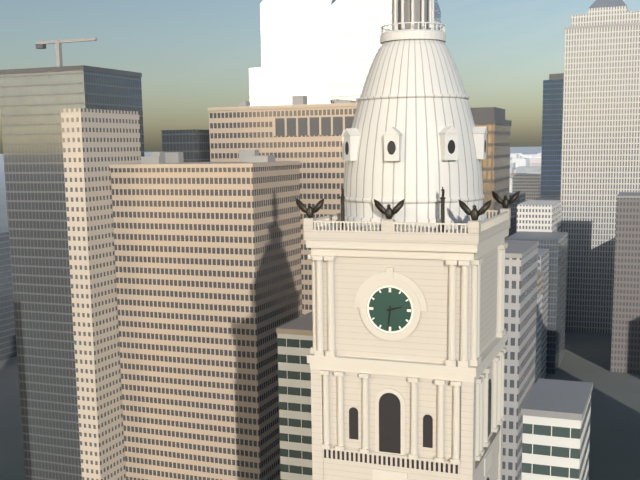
2:31
